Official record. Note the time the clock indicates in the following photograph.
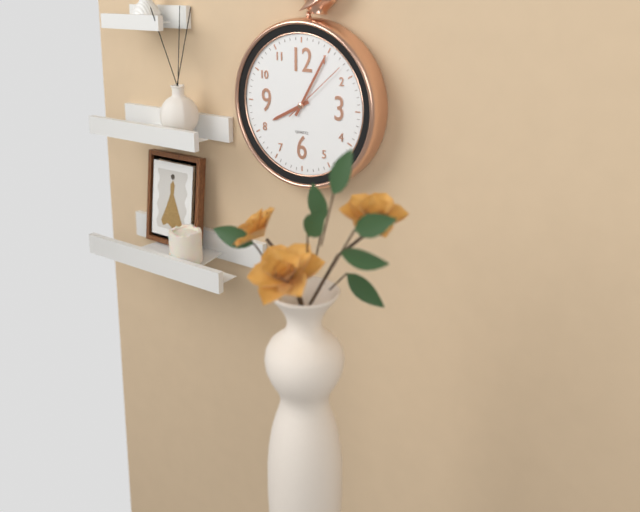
8:05:08
